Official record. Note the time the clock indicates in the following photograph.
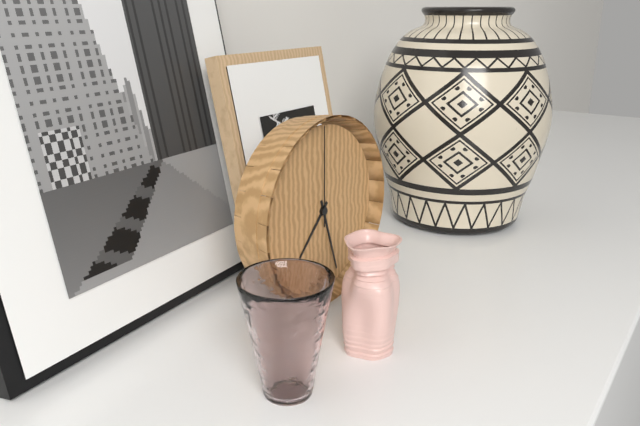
7:27:00
